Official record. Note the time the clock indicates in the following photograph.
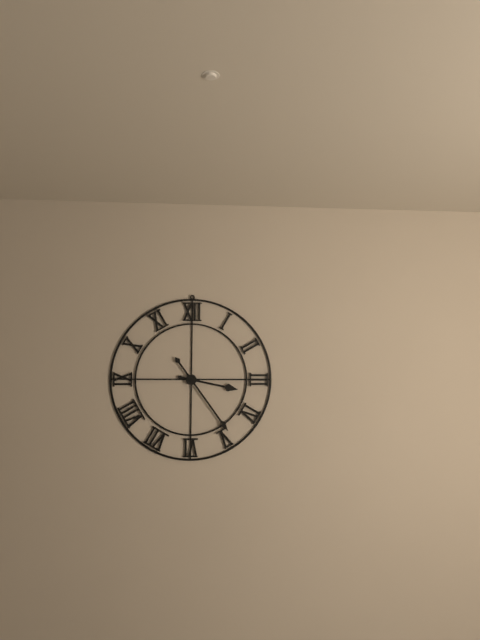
3:24
